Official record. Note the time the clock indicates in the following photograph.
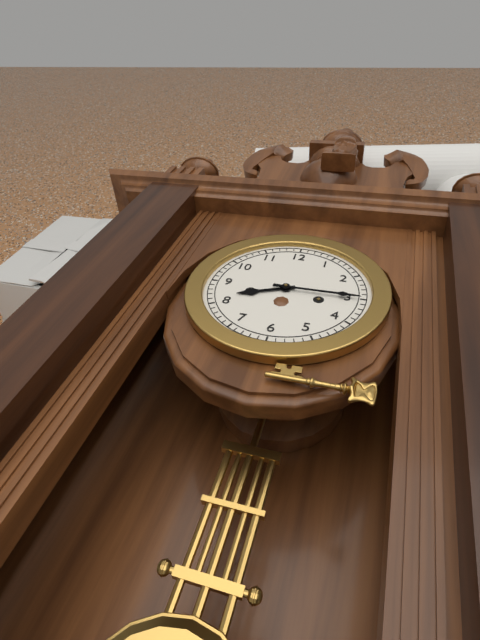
8:15
